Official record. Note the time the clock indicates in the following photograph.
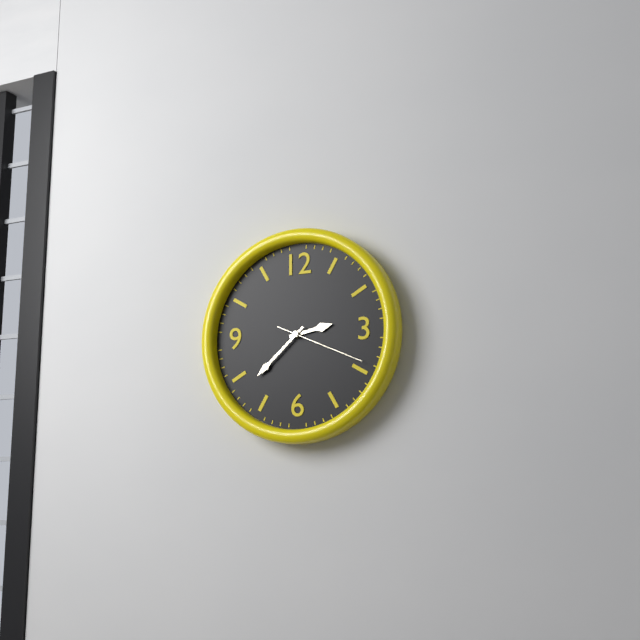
2:38:19
